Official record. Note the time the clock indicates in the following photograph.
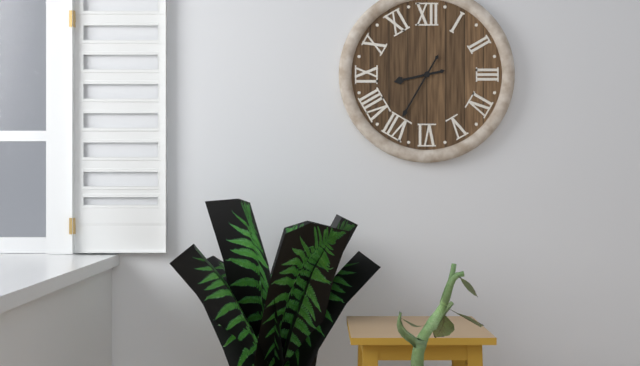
8:35
